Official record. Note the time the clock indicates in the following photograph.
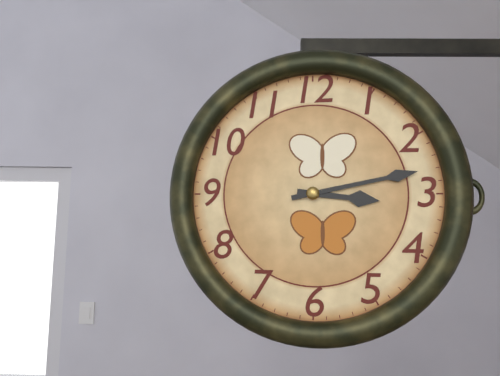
3:13
